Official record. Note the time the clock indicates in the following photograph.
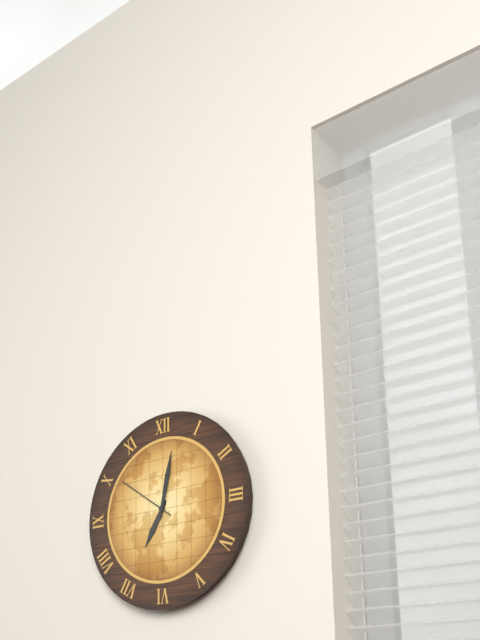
7:02:51
